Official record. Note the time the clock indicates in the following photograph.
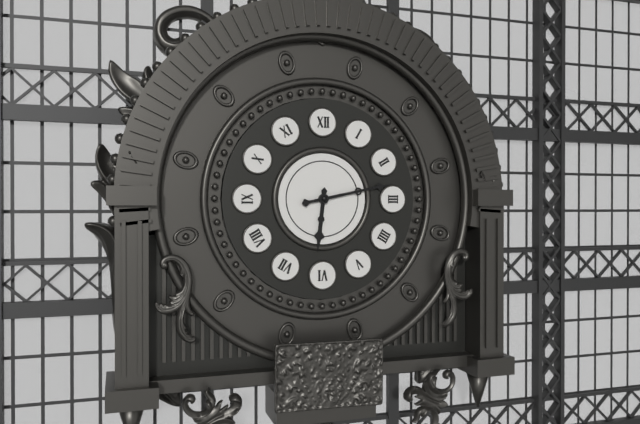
6:13
